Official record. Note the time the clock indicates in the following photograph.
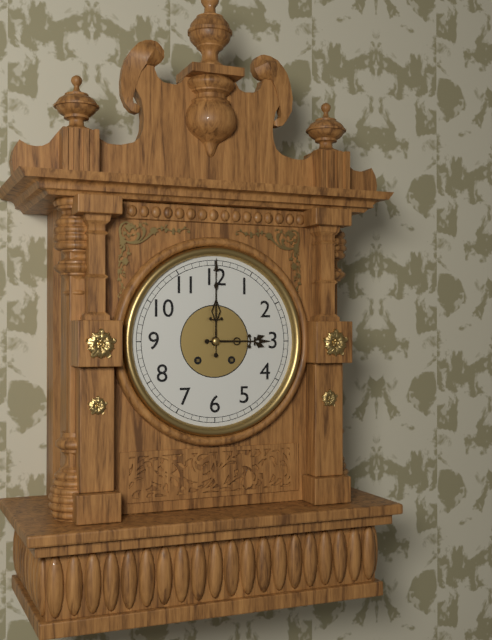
3:00
